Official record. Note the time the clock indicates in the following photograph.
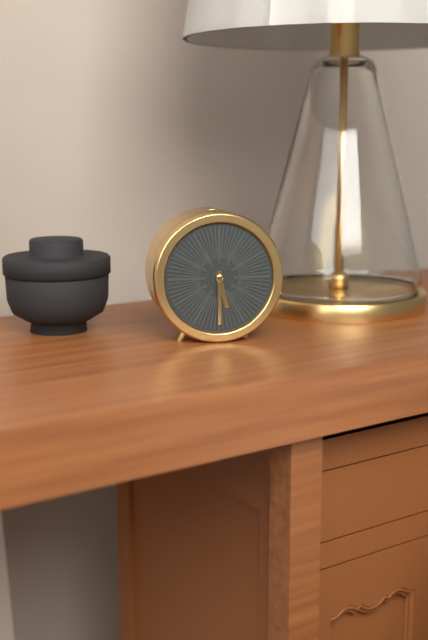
5:30
